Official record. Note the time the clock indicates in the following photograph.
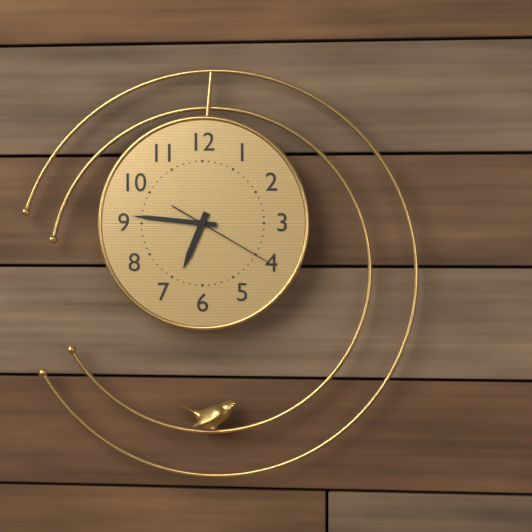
6:46:20
